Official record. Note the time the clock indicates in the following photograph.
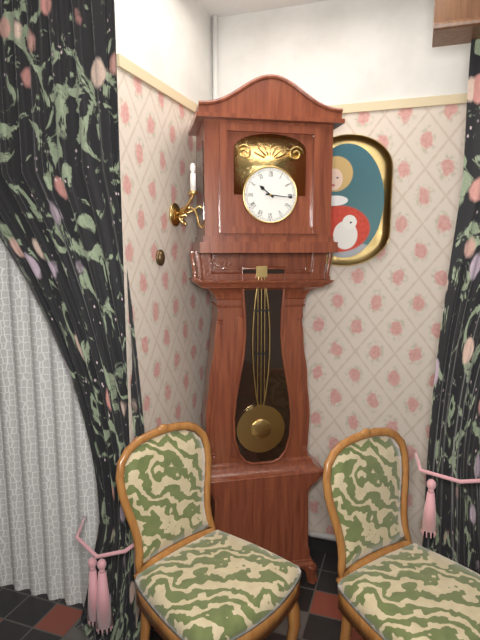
10:16
